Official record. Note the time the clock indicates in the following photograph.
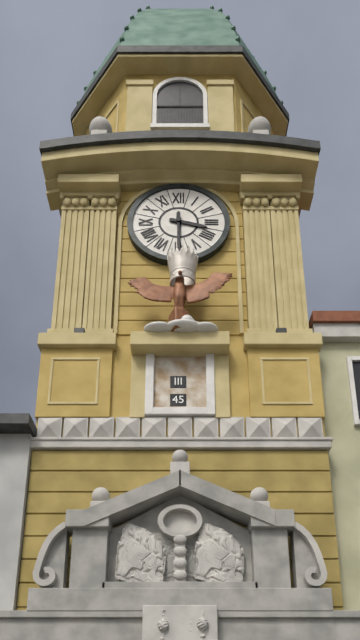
3:30
